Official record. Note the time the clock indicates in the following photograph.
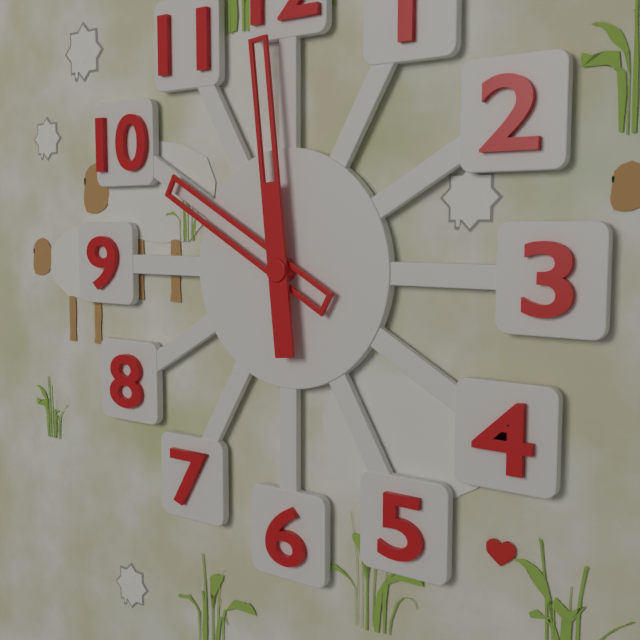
9:59
